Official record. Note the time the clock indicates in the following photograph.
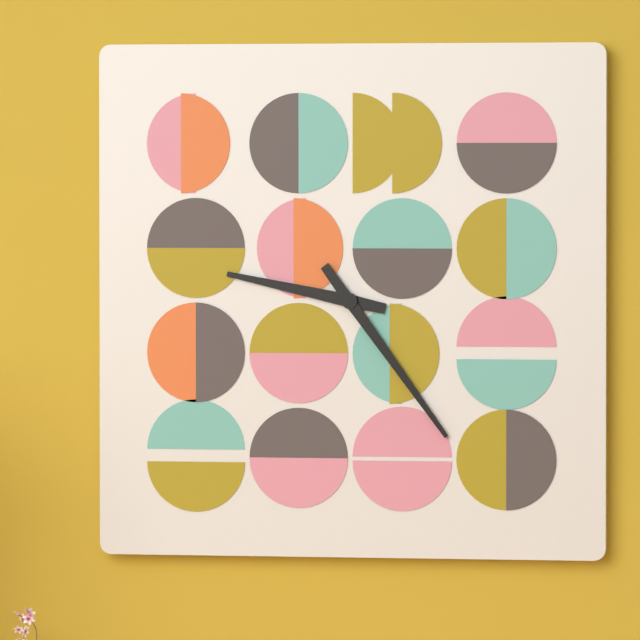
9:24
